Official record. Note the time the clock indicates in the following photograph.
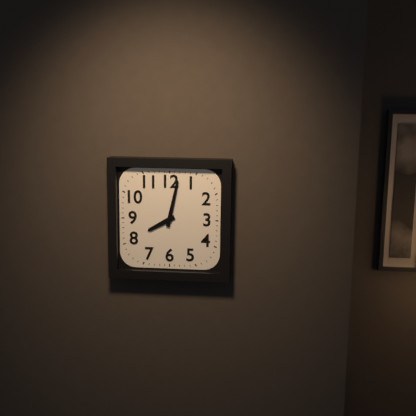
8:02
